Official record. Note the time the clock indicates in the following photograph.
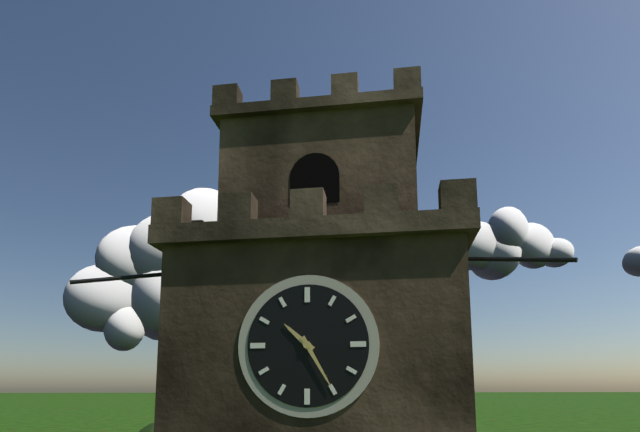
10:25
